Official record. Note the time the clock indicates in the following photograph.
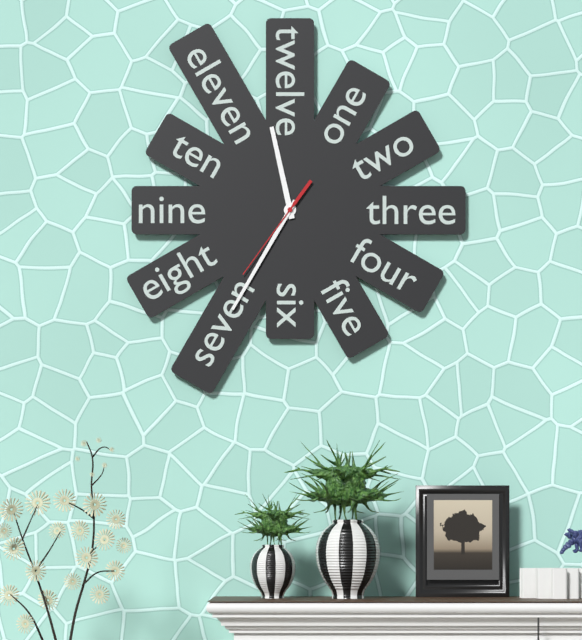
11:35:36
